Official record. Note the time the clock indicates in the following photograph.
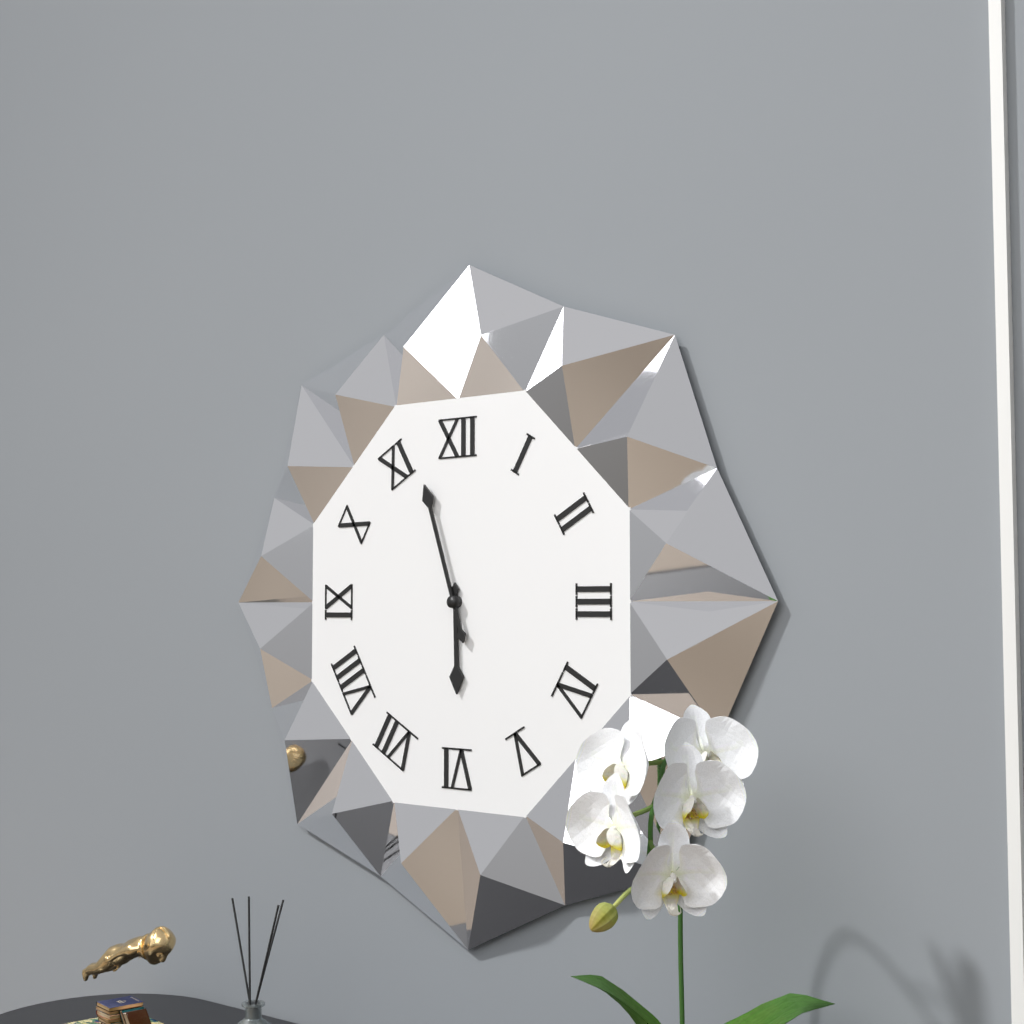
5:57
